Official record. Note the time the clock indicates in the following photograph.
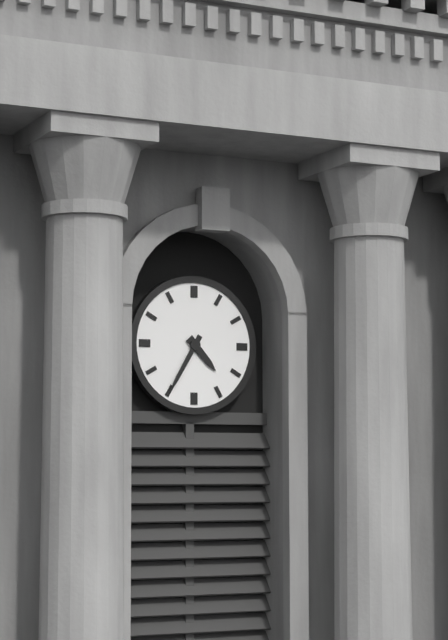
4:35
